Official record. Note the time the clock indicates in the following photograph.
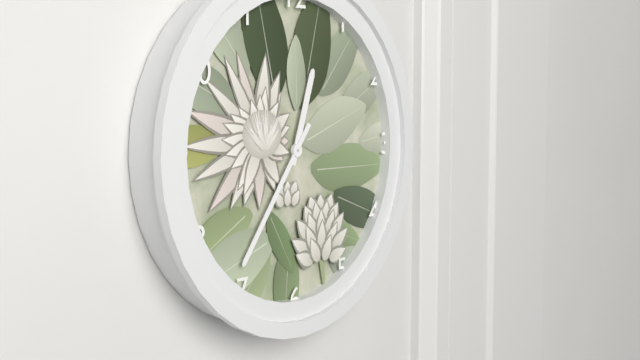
12:36
